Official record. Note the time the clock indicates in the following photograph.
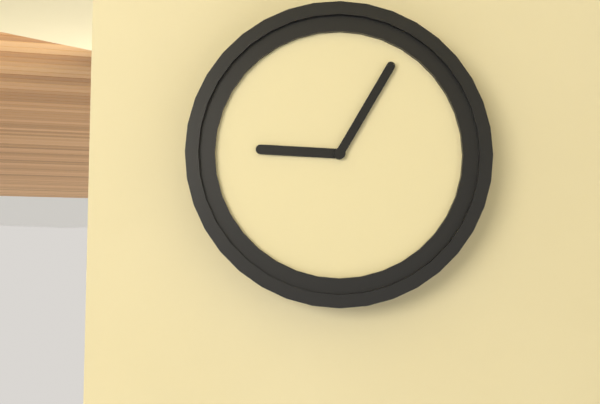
9:05
